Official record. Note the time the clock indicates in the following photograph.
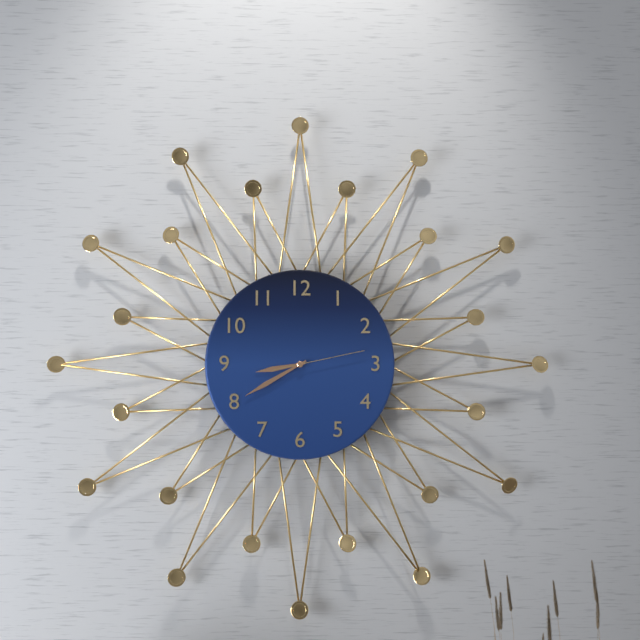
8:40:13
